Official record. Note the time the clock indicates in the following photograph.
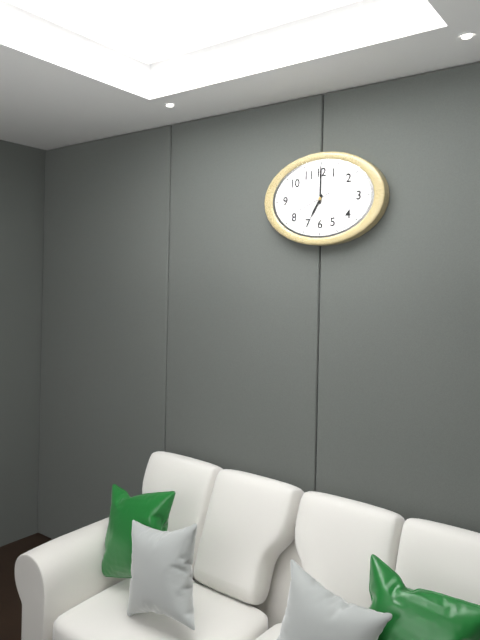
7:00
